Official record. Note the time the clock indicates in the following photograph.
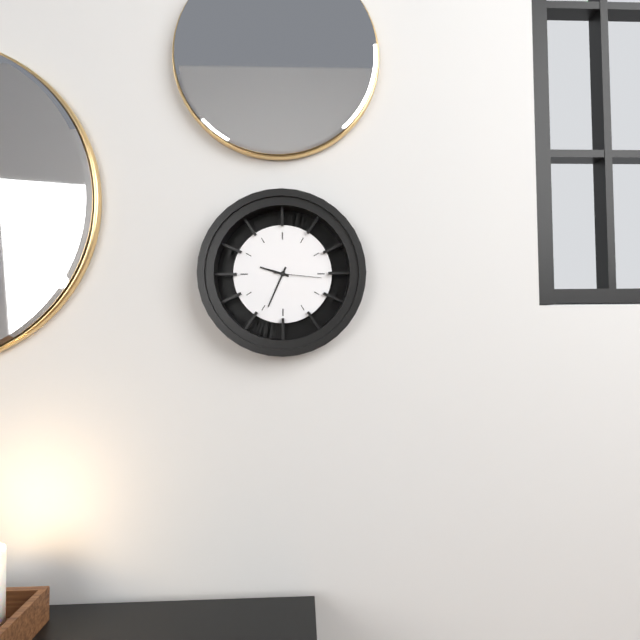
9:34
